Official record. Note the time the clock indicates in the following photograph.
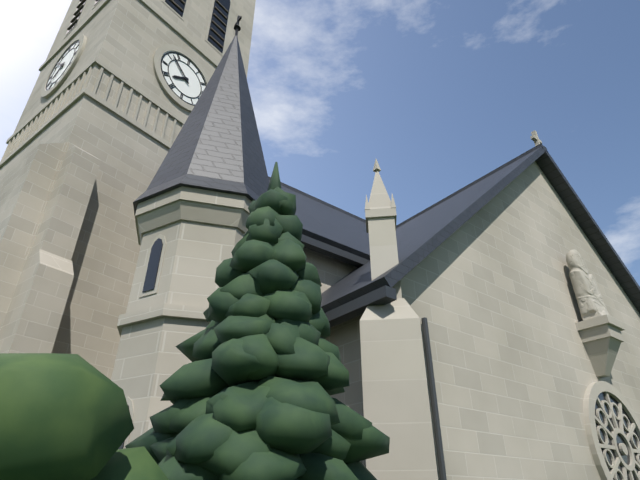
7:52
